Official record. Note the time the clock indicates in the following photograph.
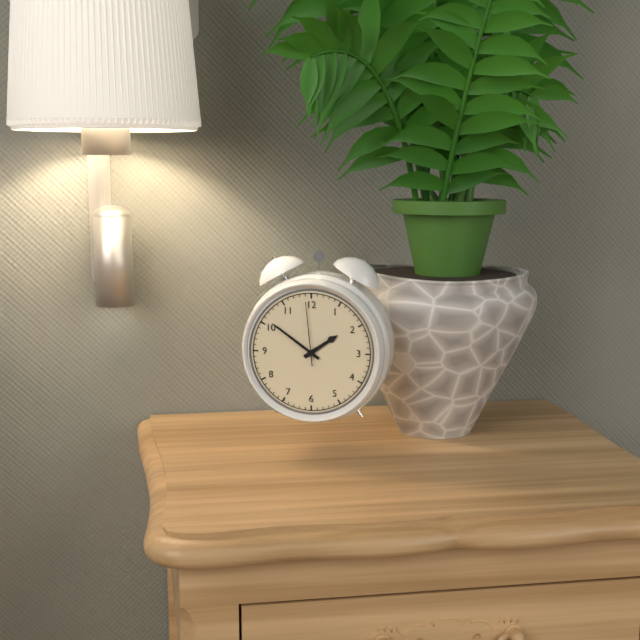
1:51:59
